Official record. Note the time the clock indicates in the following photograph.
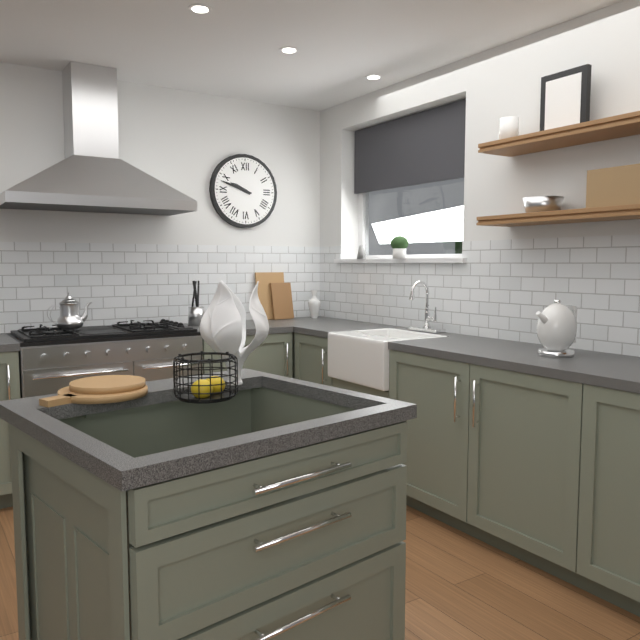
9:48
